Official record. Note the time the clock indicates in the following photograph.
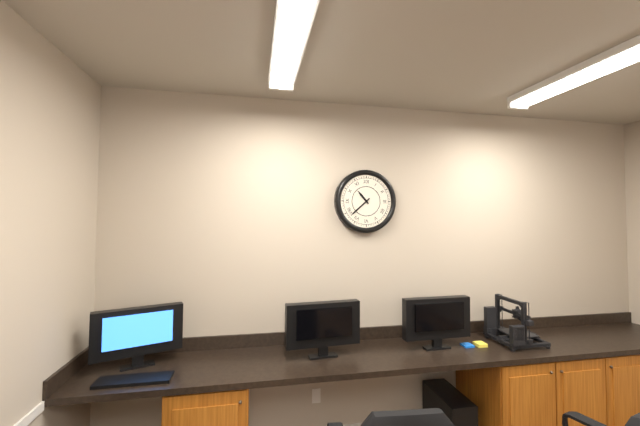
10:38
